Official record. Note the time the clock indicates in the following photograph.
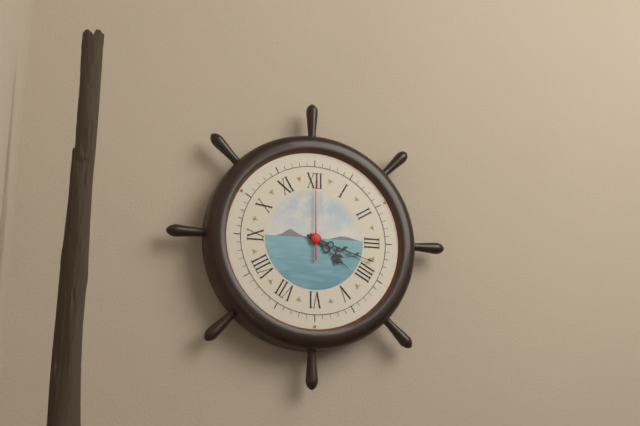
4:18:00
